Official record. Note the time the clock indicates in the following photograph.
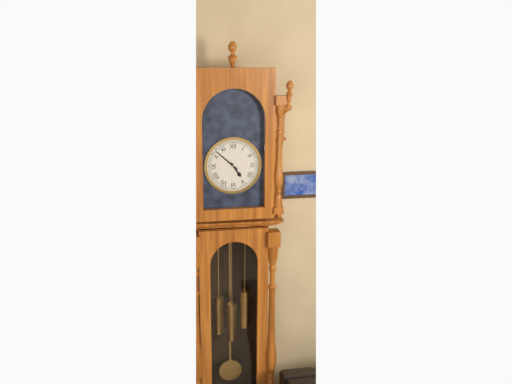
4:52
